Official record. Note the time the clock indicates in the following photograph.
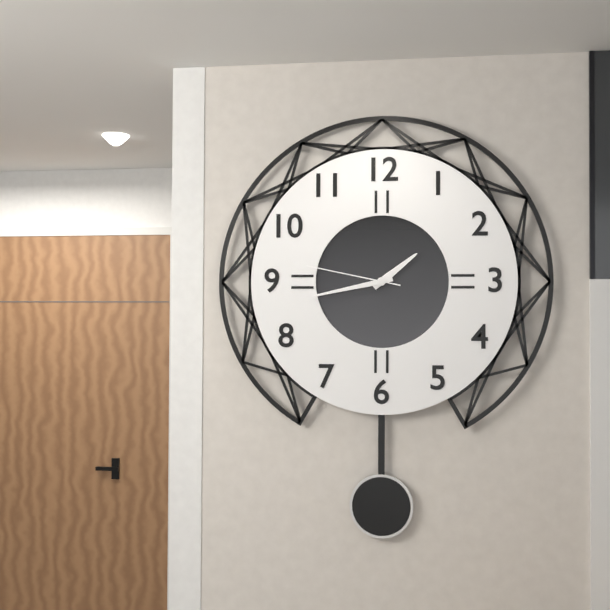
1:43:47
